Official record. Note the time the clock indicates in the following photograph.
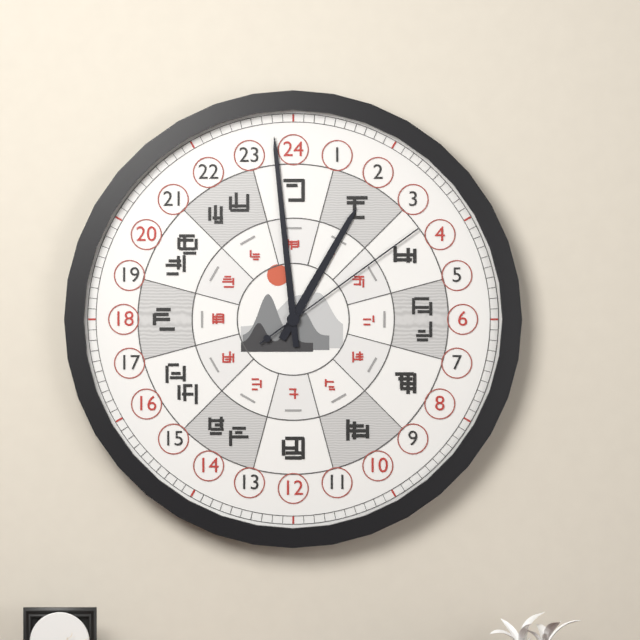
12:59:09
